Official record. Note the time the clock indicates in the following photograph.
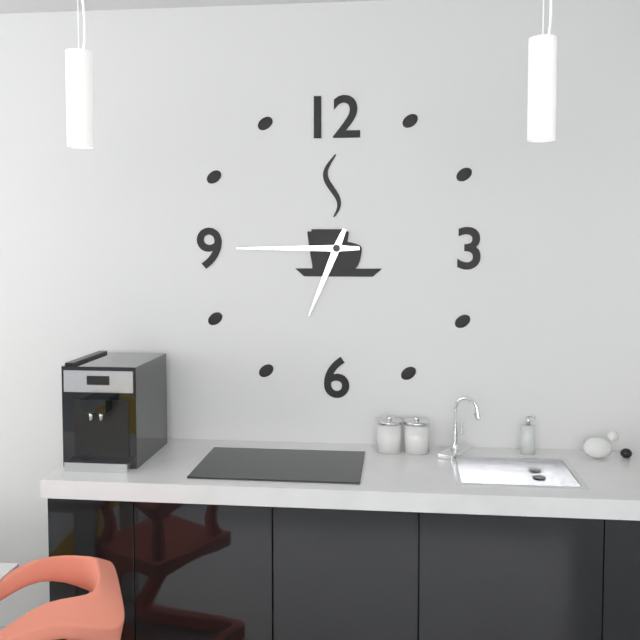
6:45
